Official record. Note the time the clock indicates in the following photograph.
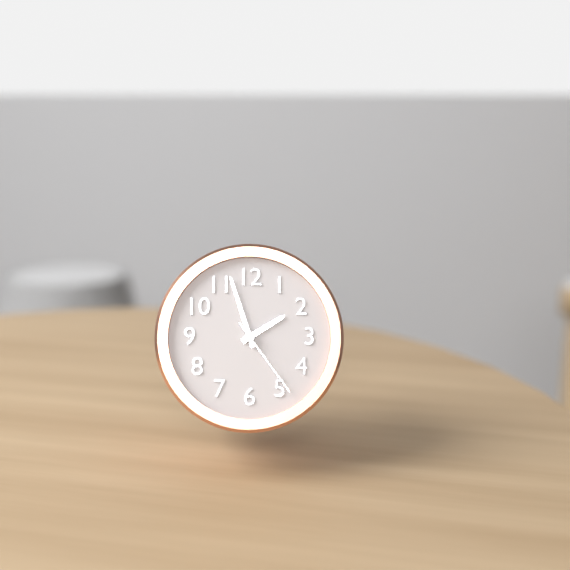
1:57:24
